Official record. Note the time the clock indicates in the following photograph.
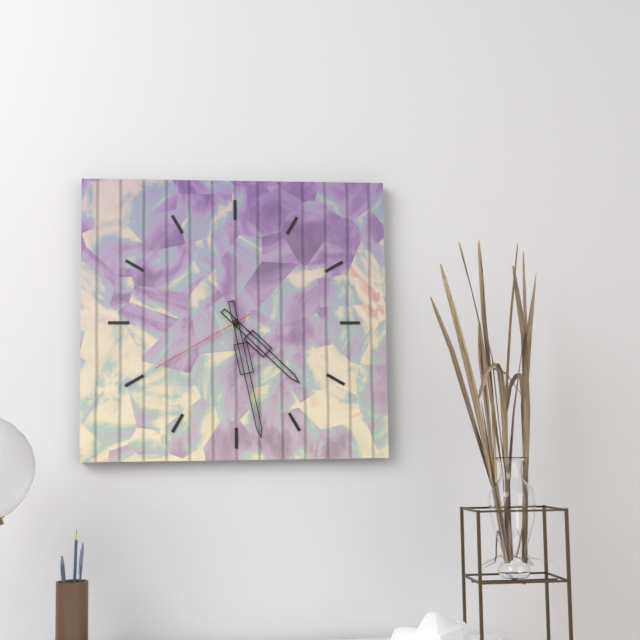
4:28:40
